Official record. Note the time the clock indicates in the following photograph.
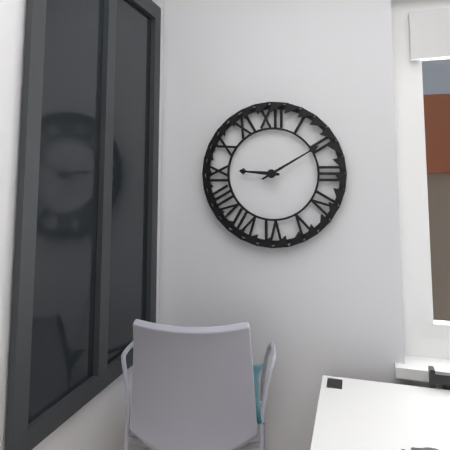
9:10
